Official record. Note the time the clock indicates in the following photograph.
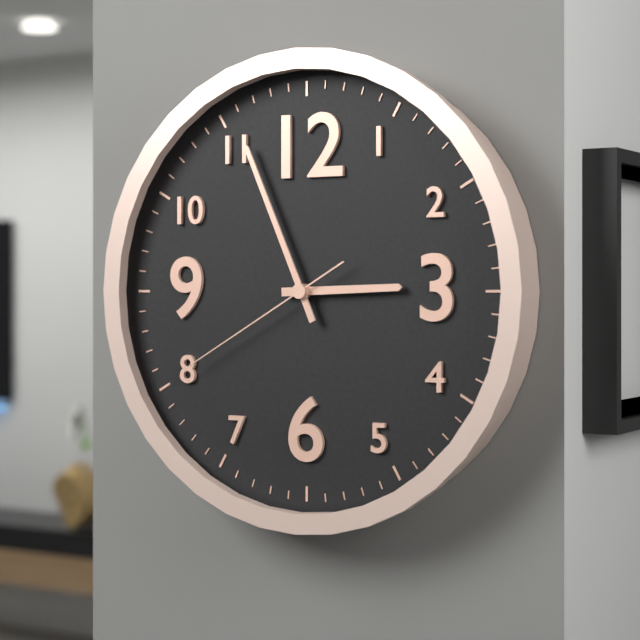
2:56:40
